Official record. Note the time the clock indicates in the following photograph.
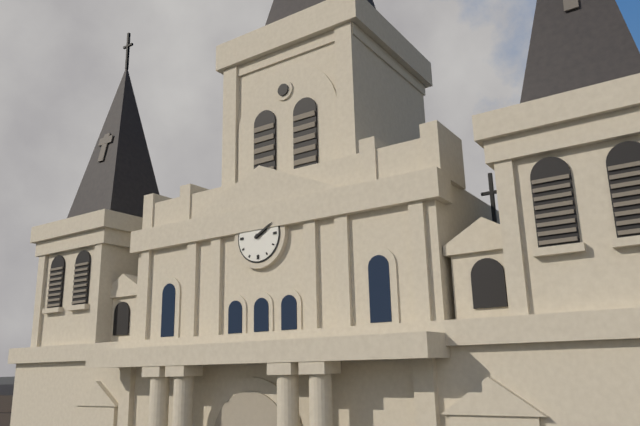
2:10
